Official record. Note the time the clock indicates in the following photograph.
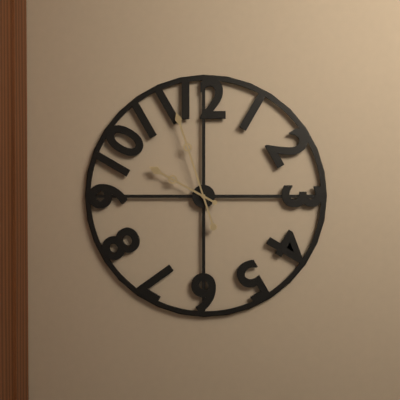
9:57
